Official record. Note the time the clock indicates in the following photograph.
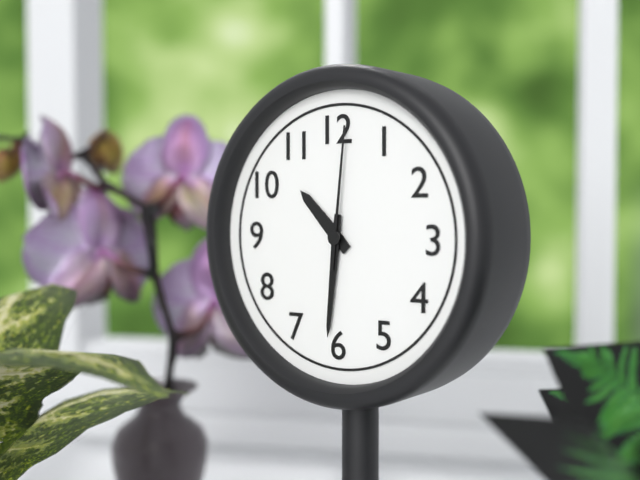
10:31:01
